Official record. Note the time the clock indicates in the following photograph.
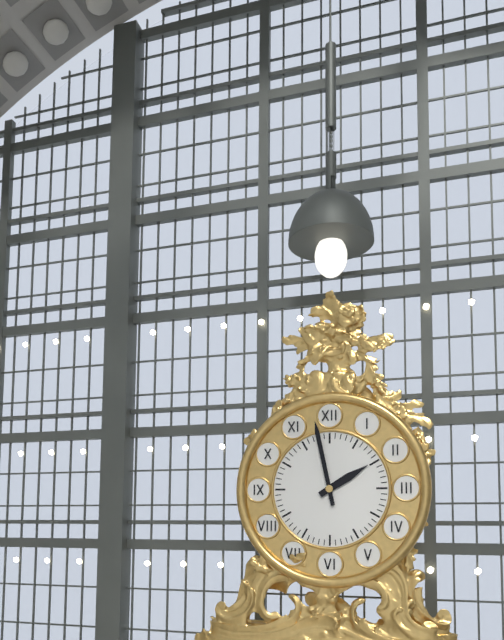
1:58
